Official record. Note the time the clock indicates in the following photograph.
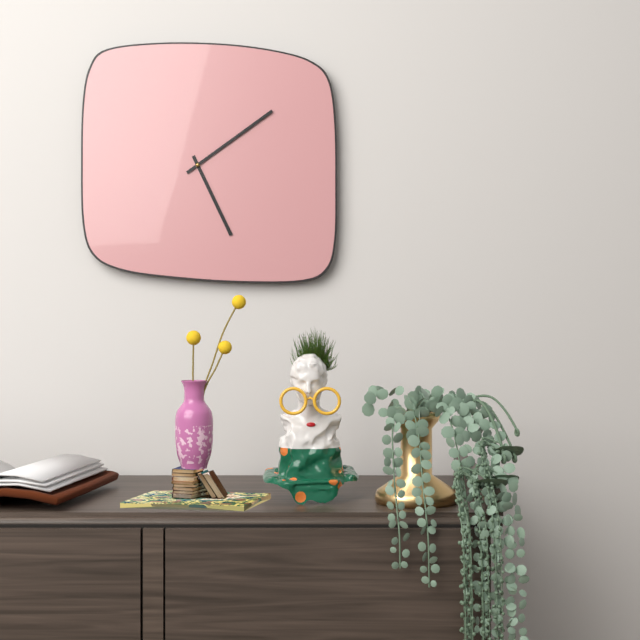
5:09
